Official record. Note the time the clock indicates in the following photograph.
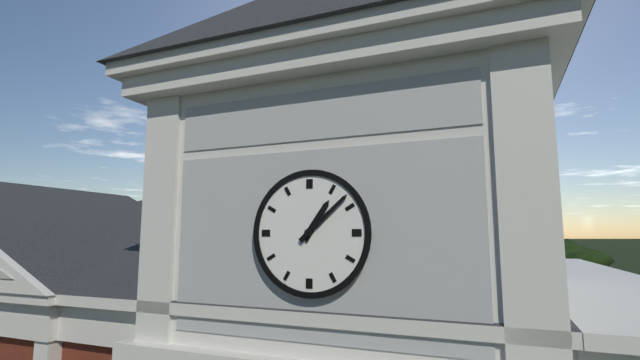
1:08
